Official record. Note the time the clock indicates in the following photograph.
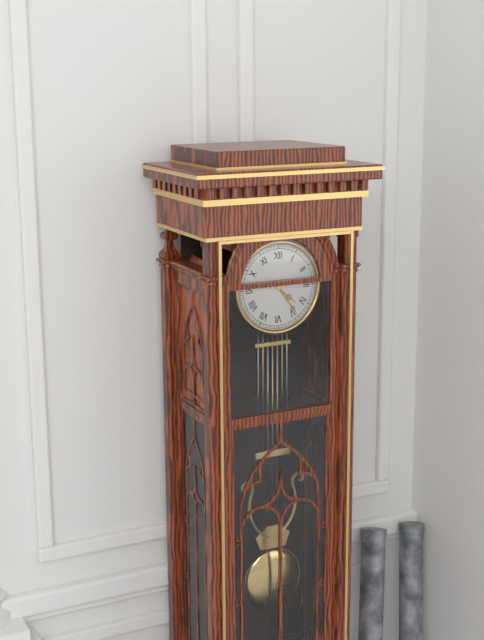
4:24
